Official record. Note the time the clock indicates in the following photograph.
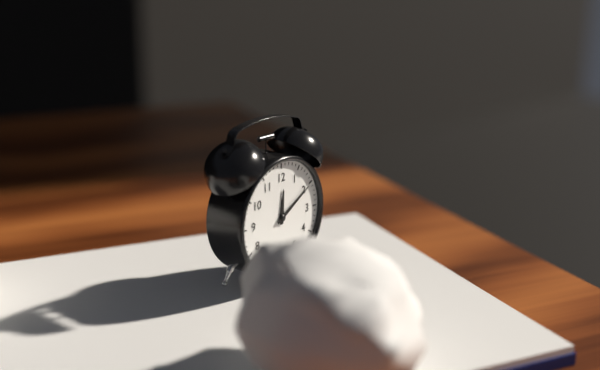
12:10
